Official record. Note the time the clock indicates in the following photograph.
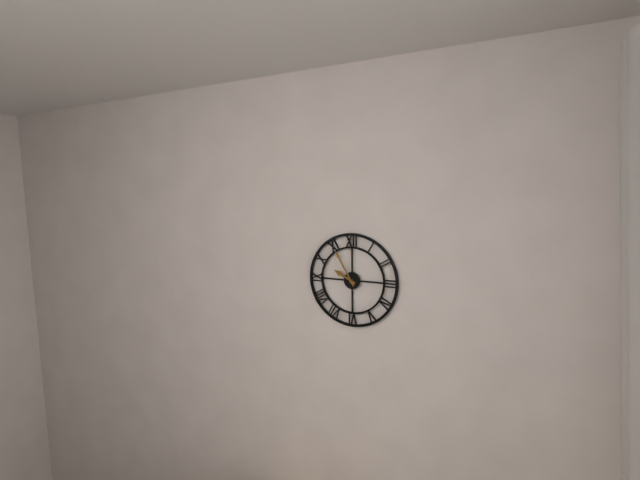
9:55
